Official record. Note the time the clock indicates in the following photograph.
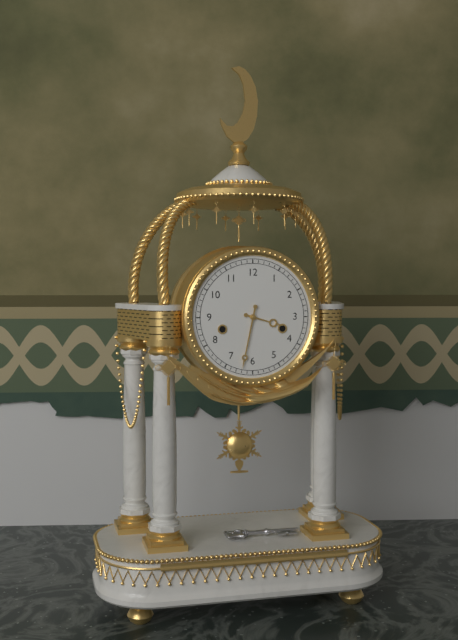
3:32
